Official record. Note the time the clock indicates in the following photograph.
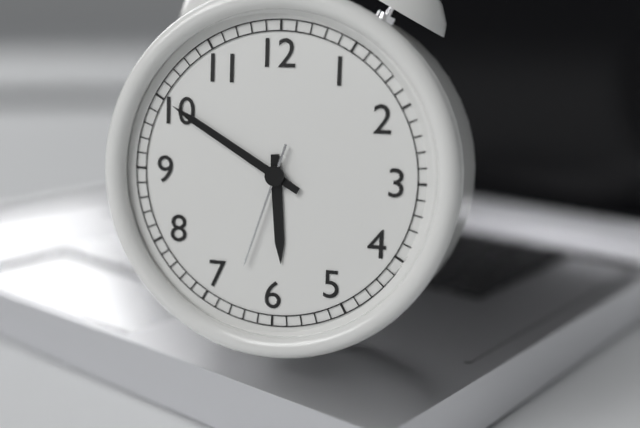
5:50:33
